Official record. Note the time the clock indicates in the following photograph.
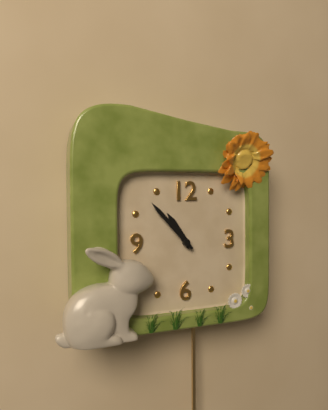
10:53
